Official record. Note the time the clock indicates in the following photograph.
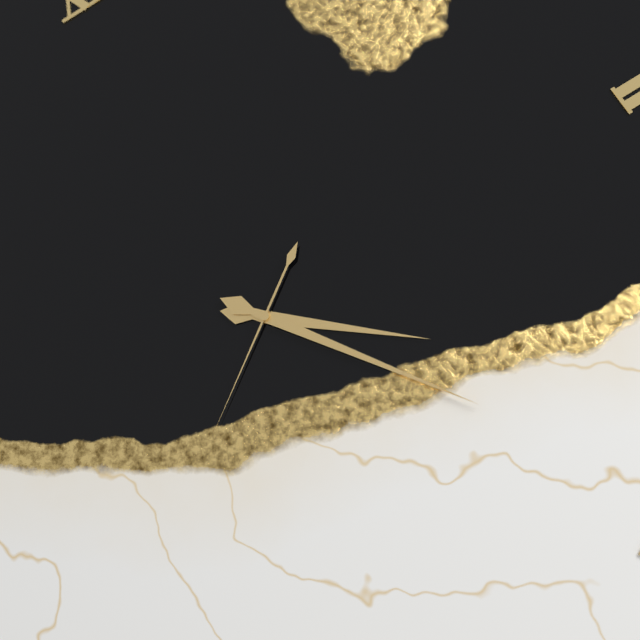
3:19:34
